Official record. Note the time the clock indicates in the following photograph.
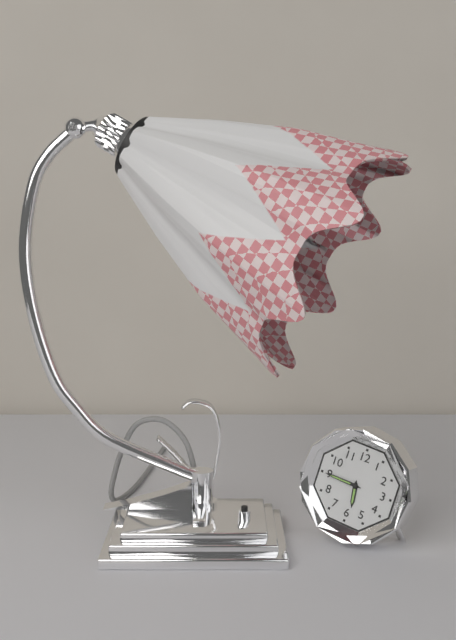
5:45
